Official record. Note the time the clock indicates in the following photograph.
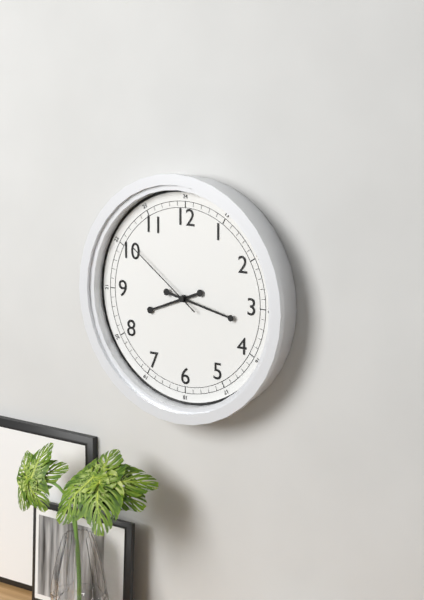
8:17:51
